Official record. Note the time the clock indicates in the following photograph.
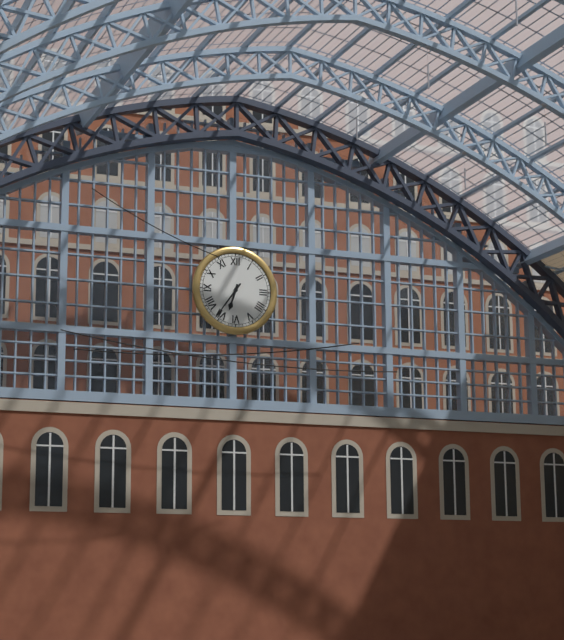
6:36
